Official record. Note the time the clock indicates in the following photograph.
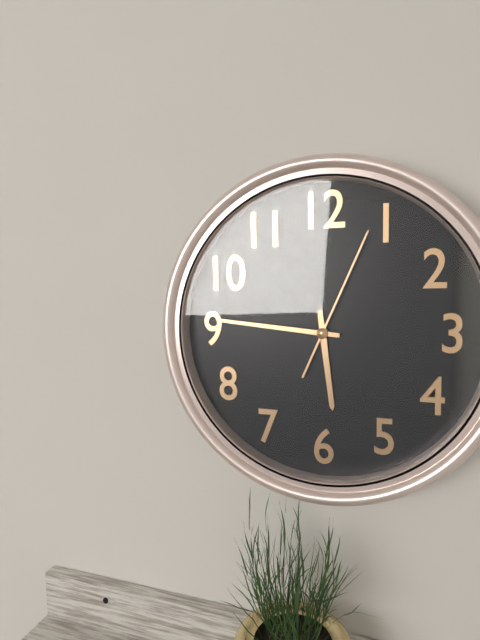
5:46:04
